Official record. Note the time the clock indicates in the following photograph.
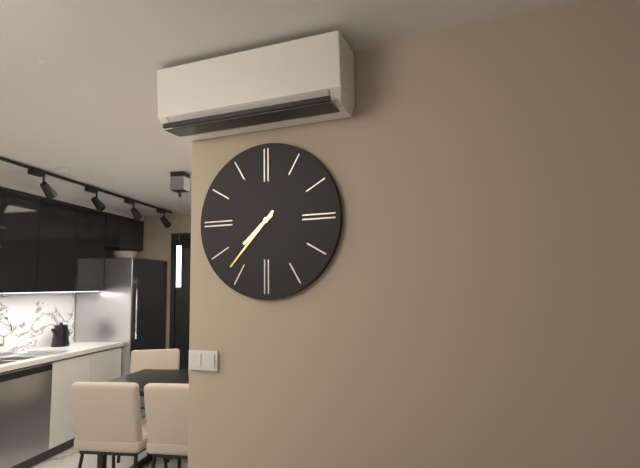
7:37
